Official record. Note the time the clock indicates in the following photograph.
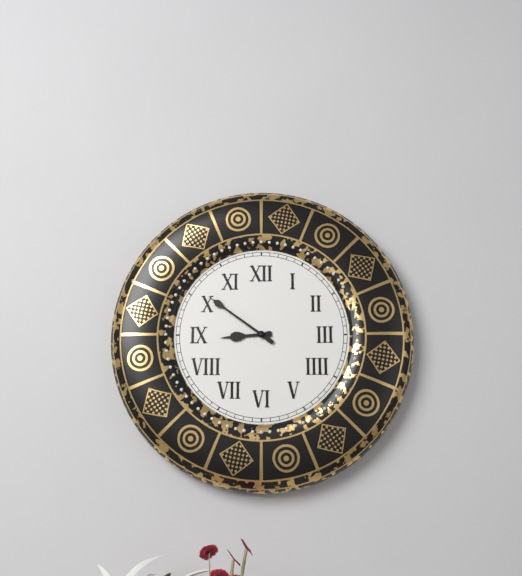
8:51
